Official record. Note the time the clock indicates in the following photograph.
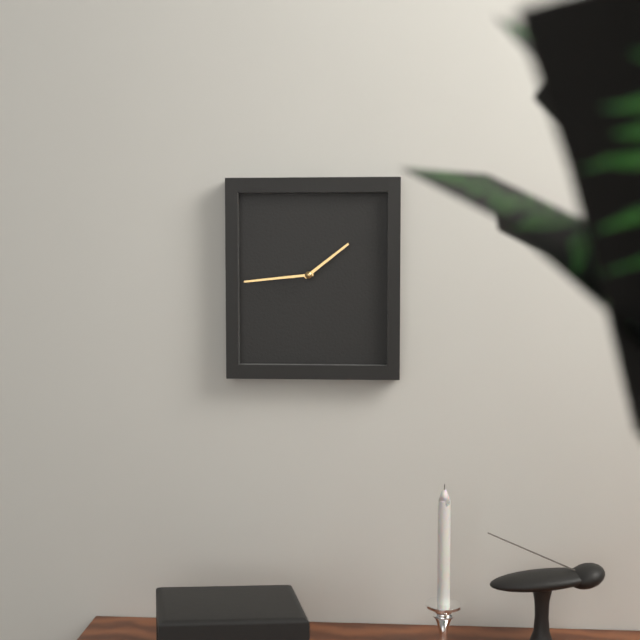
1:44
